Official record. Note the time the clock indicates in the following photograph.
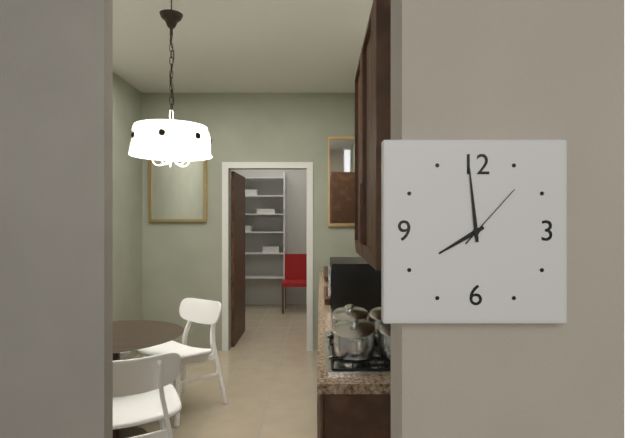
7:59:07
